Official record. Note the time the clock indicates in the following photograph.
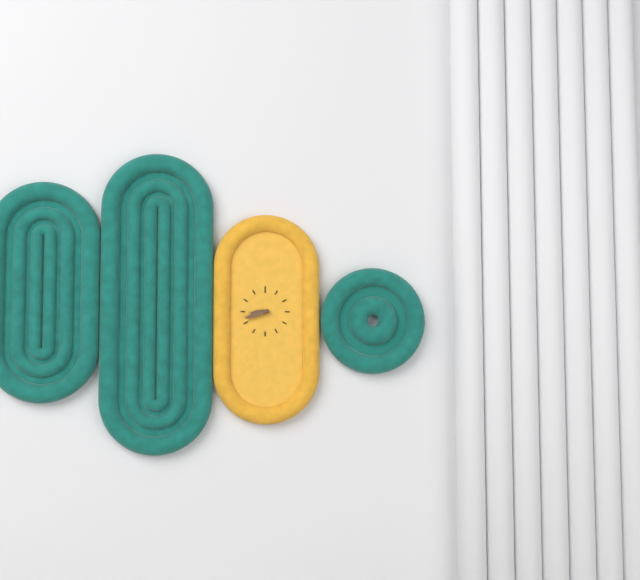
8:42
